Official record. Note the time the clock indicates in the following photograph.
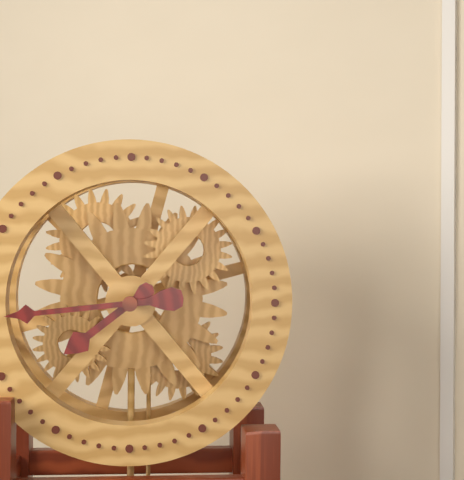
7:44
